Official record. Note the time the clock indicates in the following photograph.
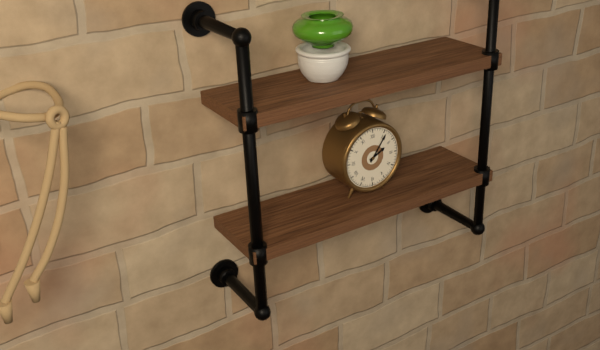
2:06
